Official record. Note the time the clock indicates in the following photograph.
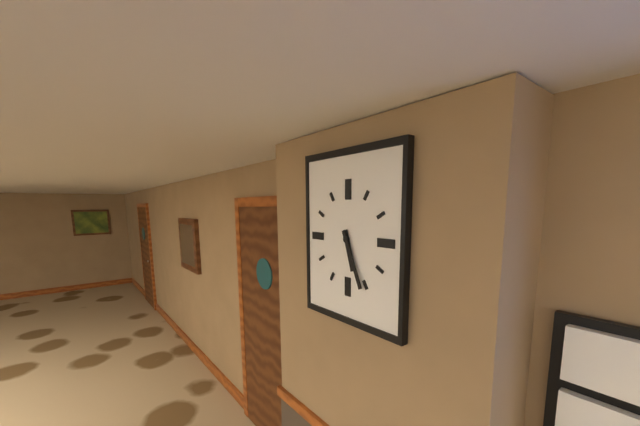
5:26
